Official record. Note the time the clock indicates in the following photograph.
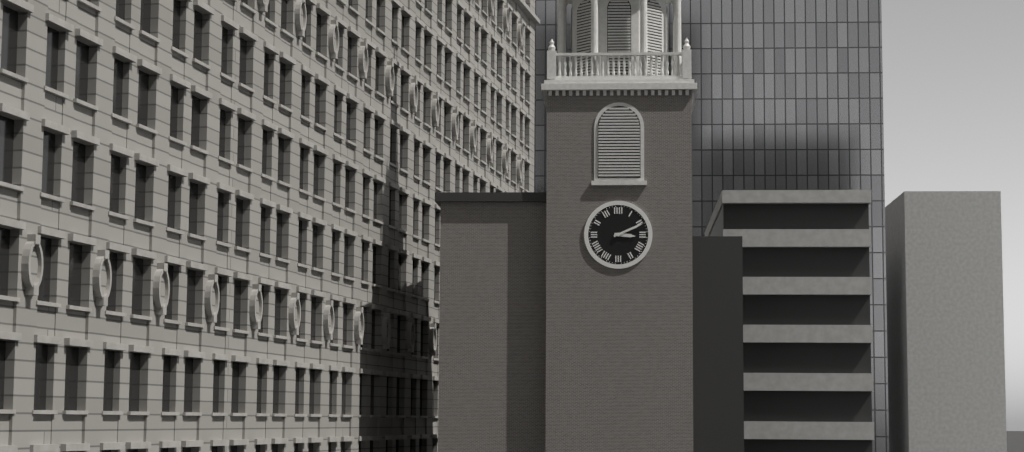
3:11
